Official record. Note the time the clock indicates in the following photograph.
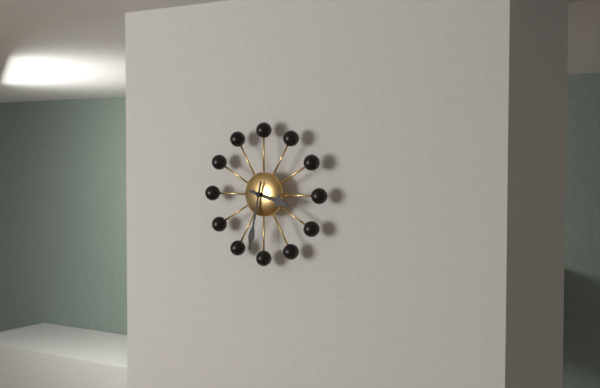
3:32
